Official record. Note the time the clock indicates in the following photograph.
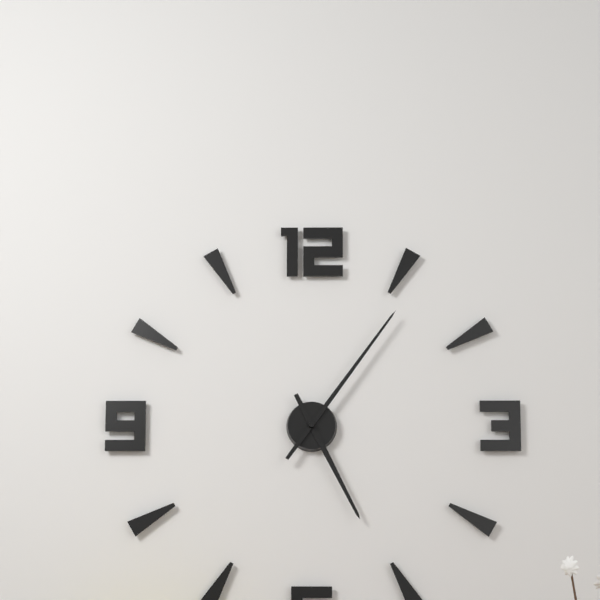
5:06
